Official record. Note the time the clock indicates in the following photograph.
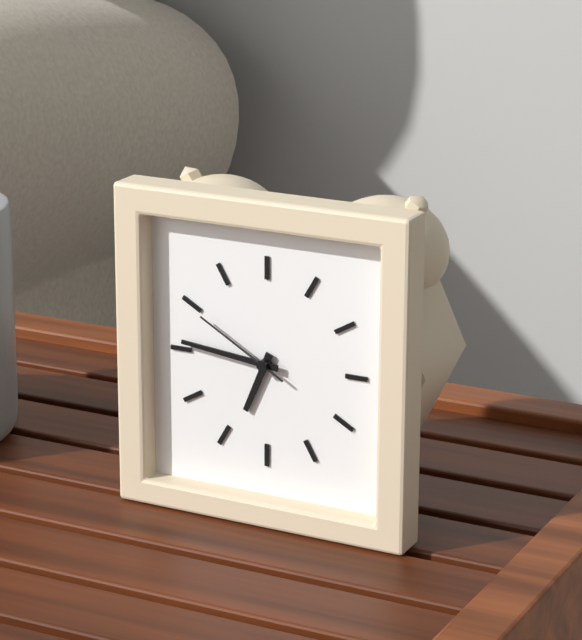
6:46:50
